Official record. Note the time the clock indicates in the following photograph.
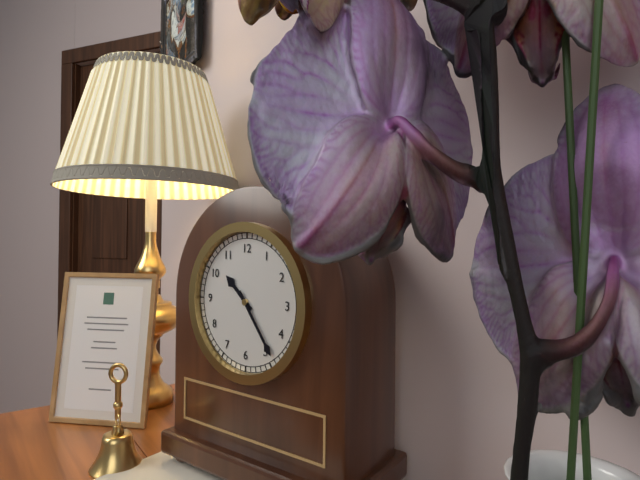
10:24
